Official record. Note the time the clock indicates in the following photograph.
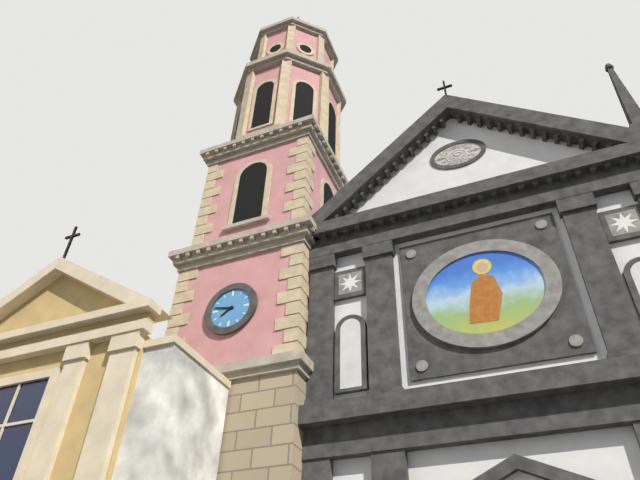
7:47
